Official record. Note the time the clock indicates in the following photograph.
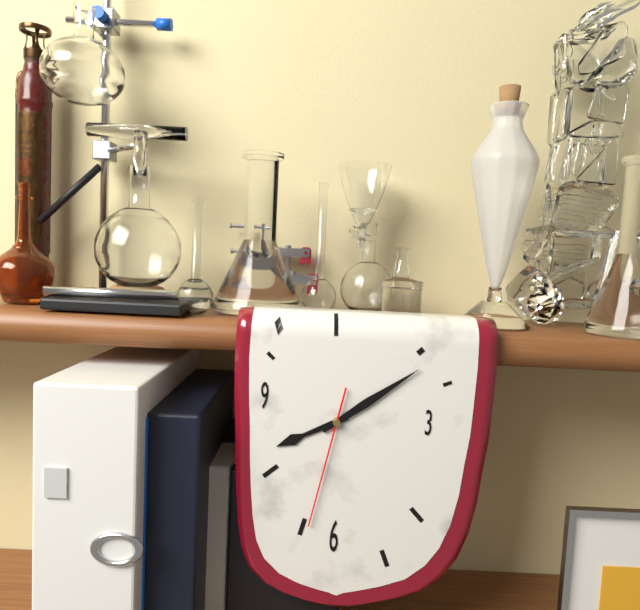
8:09:32
